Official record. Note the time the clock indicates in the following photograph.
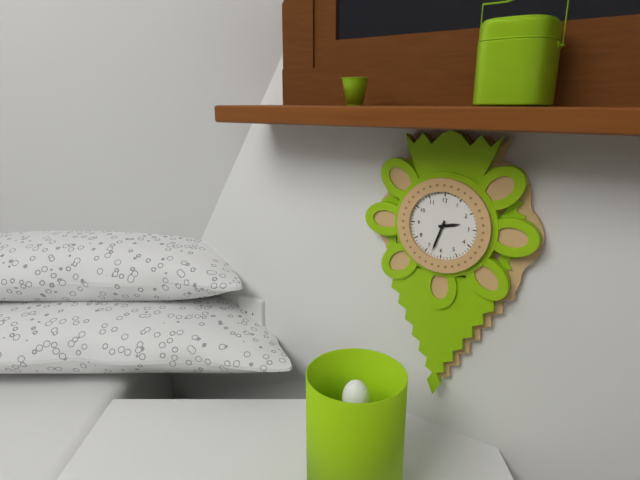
2:33
